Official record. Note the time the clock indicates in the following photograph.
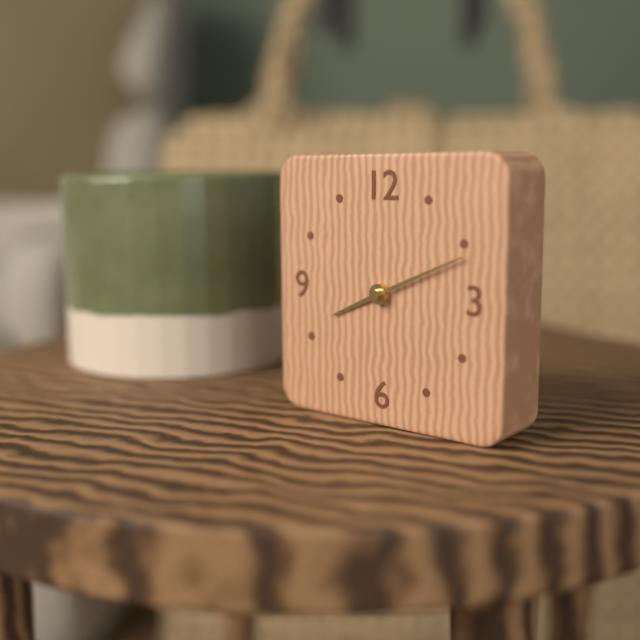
8:11
